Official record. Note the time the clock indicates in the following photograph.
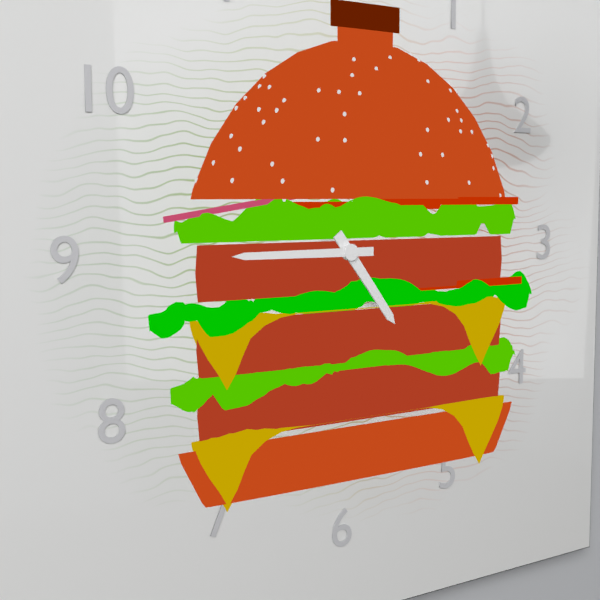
4:45
